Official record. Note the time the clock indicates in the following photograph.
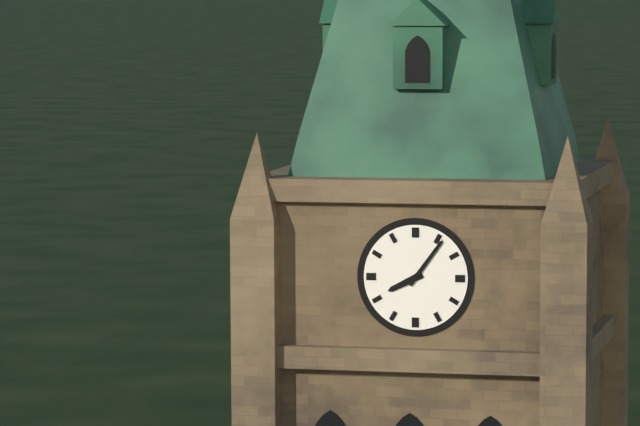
8:06
